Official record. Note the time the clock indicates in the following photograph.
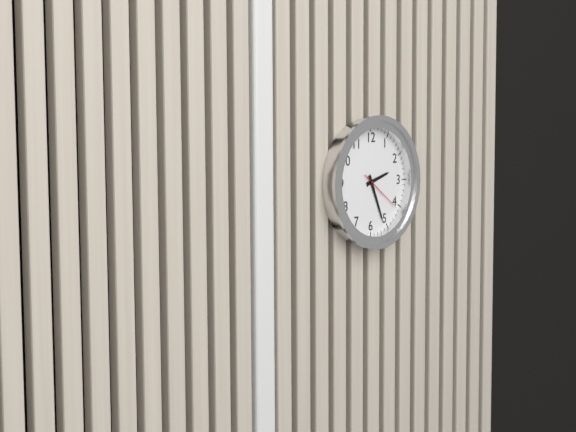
2:26
